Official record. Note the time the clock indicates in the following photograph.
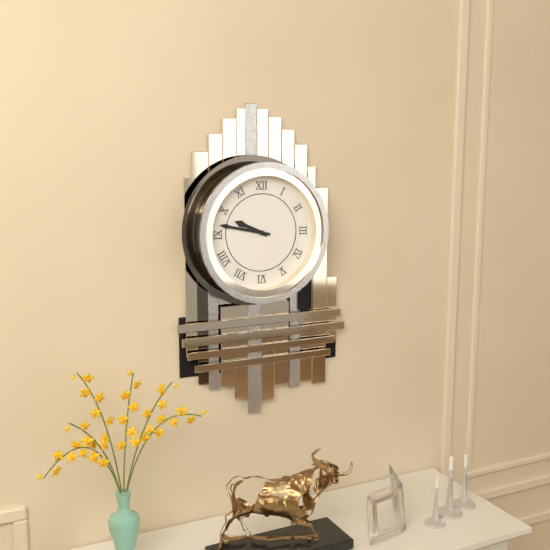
9:47
